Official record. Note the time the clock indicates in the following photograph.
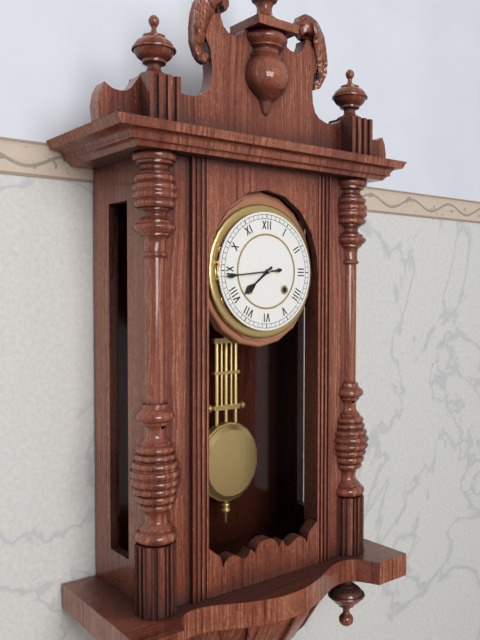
7:44
